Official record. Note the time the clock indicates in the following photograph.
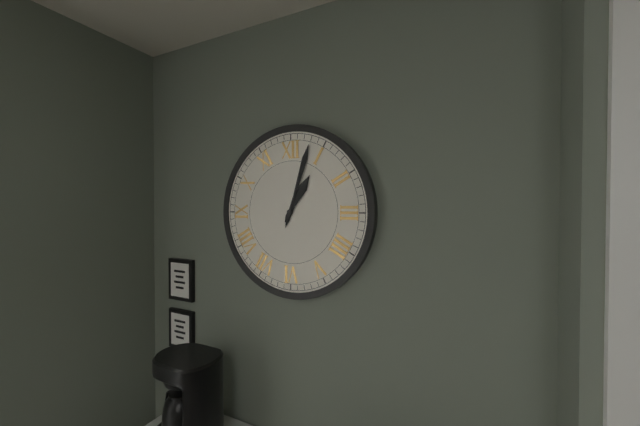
1:03
